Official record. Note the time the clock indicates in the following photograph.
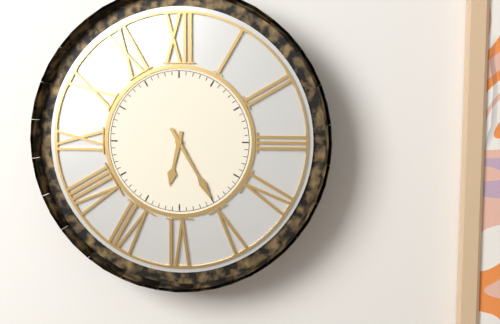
6:25
